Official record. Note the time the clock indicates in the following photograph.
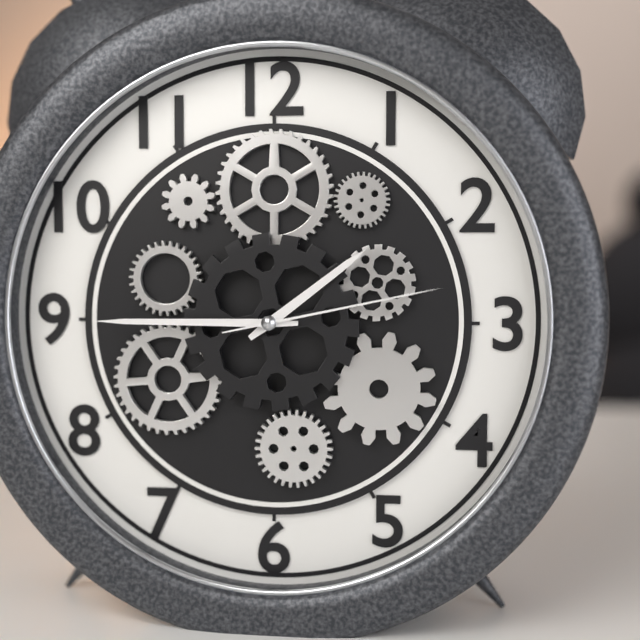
1:45:13
